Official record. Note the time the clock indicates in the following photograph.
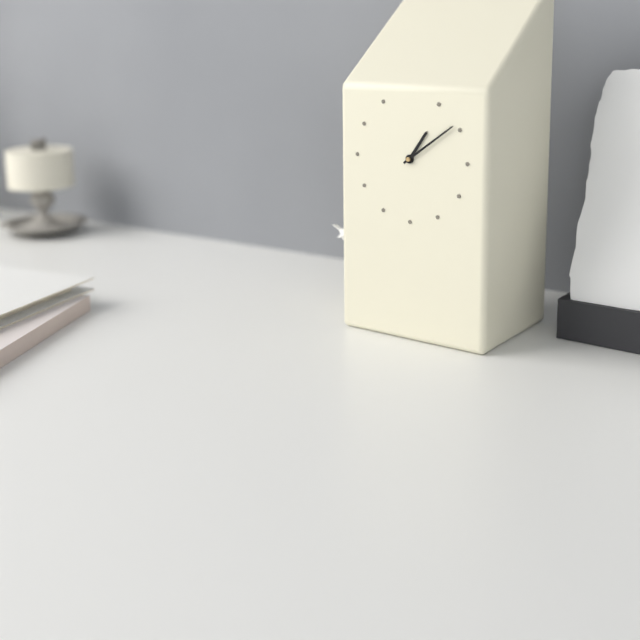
1:09
